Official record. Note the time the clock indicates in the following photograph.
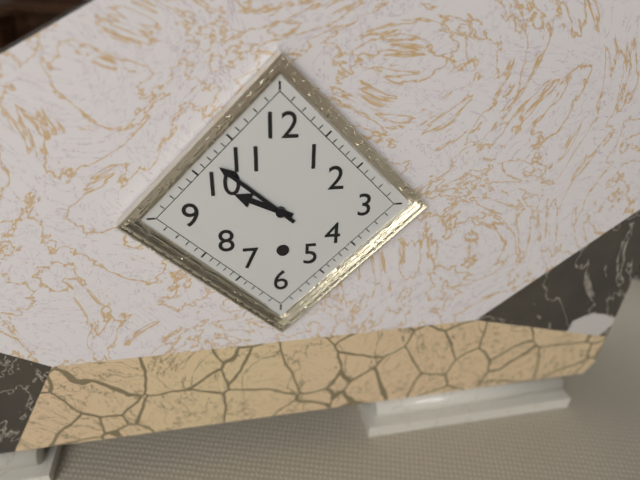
9:52
